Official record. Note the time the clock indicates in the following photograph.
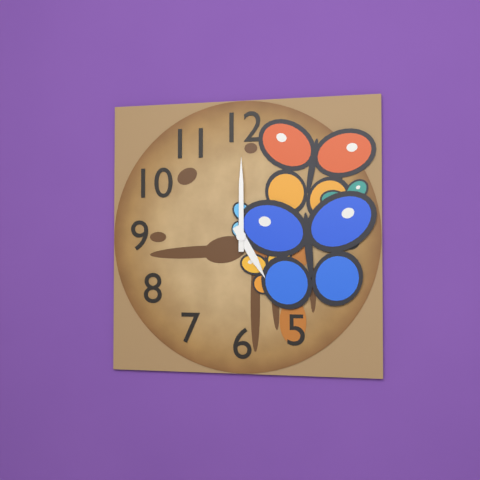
5:00
